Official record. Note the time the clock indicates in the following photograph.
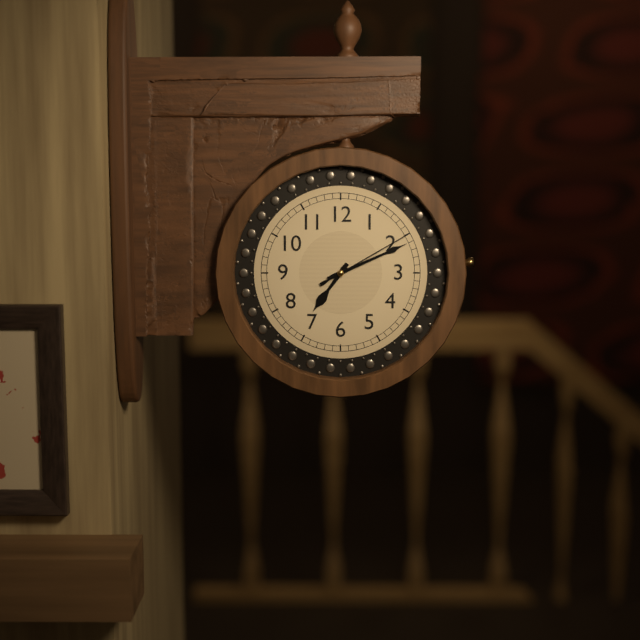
7:11:10
